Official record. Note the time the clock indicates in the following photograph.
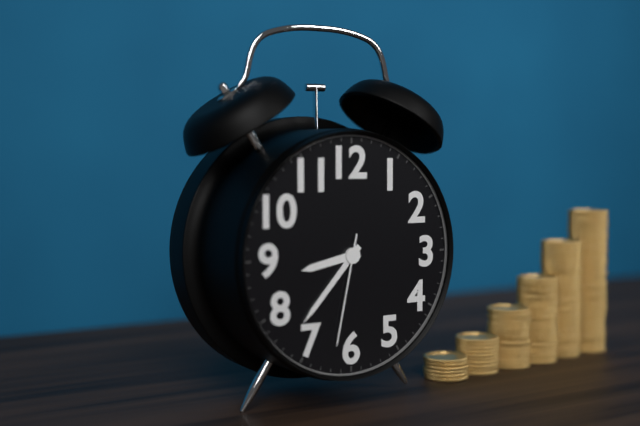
8:37:32
